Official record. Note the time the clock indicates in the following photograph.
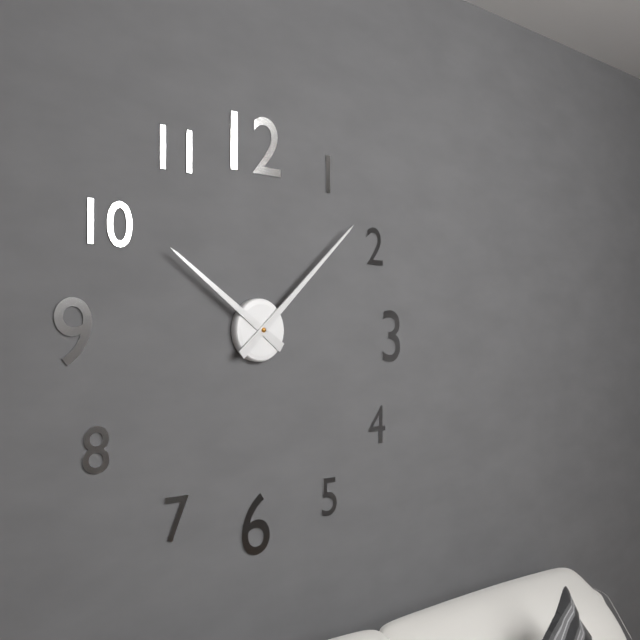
10:08
